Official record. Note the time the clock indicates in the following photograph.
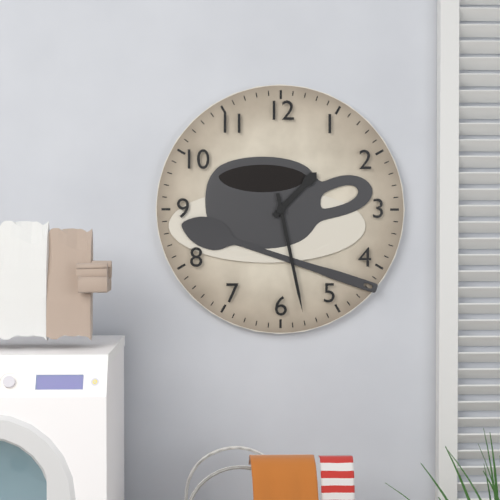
1:28
